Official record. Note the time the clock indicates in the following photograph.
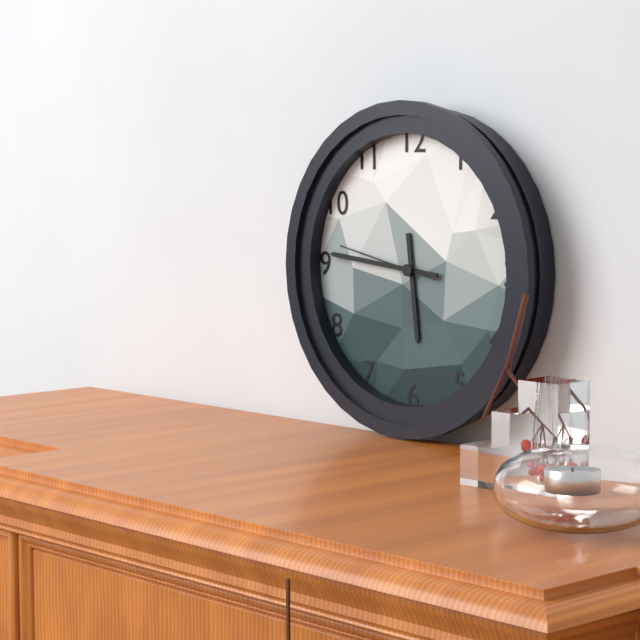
5:46:47
